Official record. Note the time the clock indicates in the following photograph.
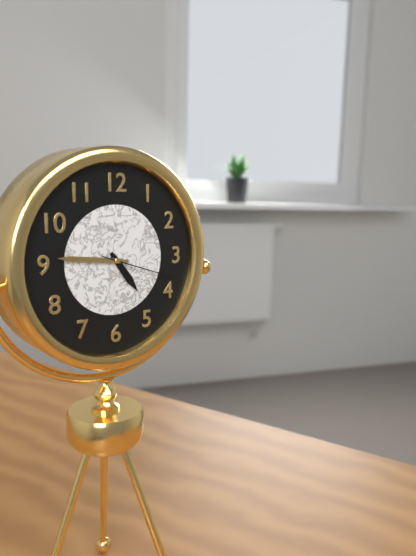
4:46:18
